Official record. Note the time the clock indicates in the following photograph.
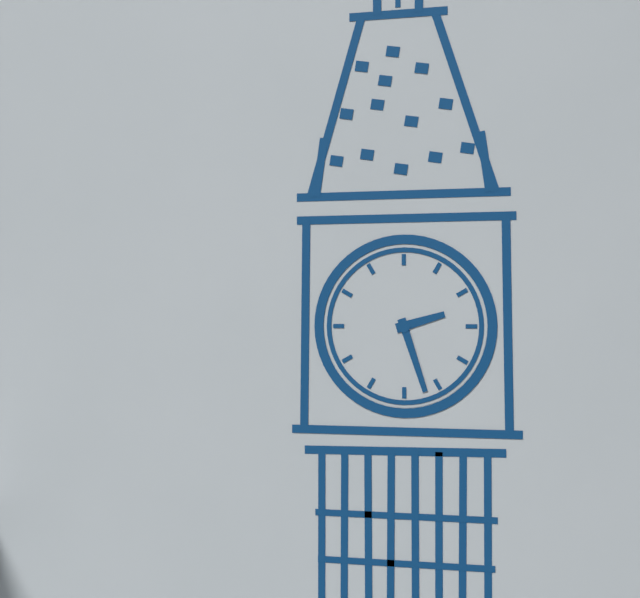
2:27
